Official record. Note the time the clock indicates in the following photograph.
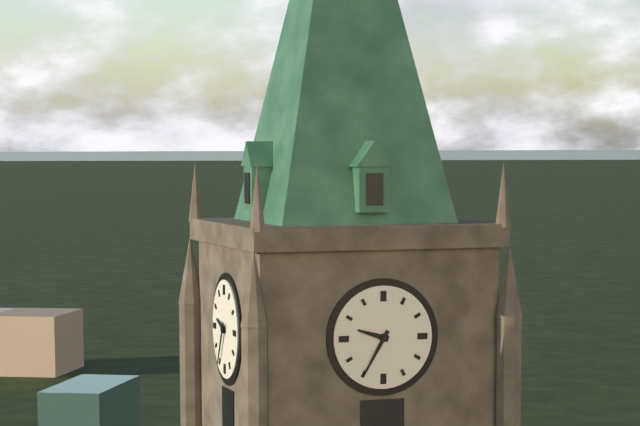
9:35
